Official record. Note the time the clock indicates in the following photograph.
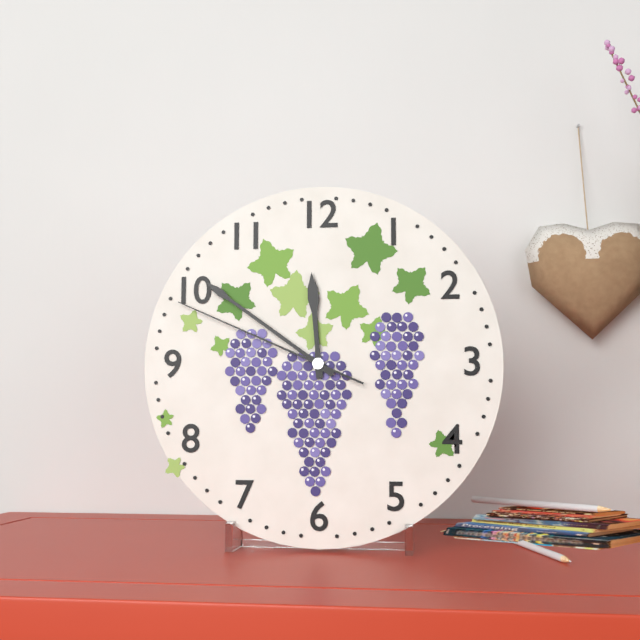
11:51:49
